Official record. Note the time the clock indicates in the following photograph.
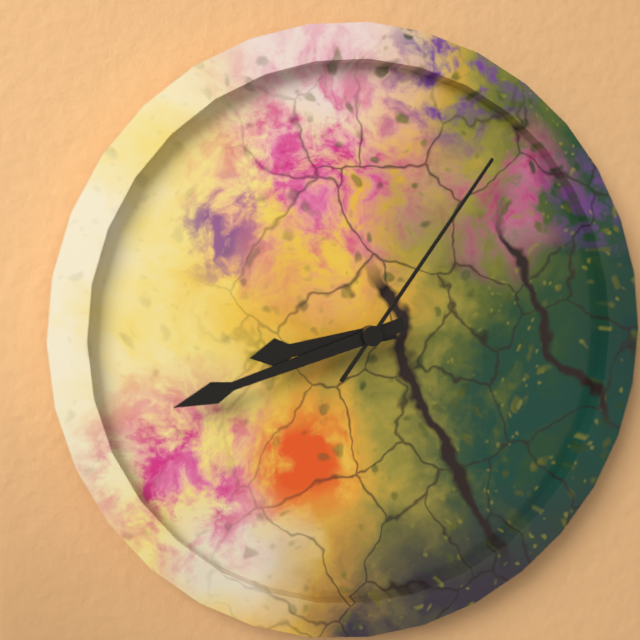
8:42:06
